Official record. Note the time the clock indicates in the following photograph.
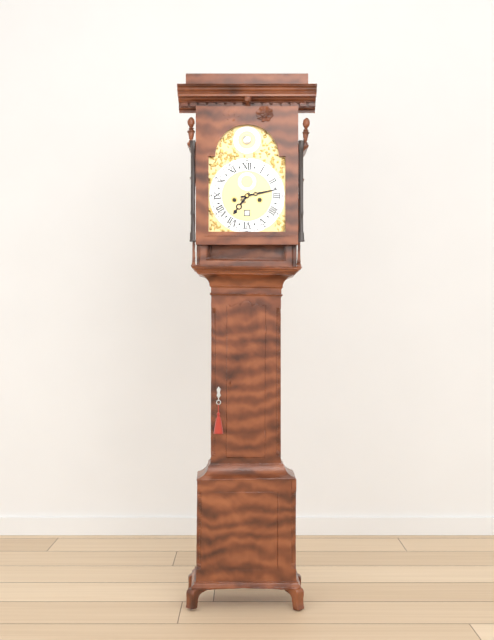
7:13
